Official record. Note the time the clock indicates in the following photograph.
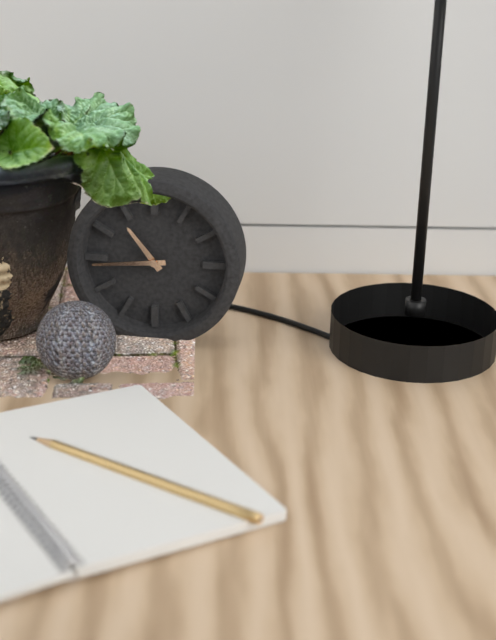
10:44
